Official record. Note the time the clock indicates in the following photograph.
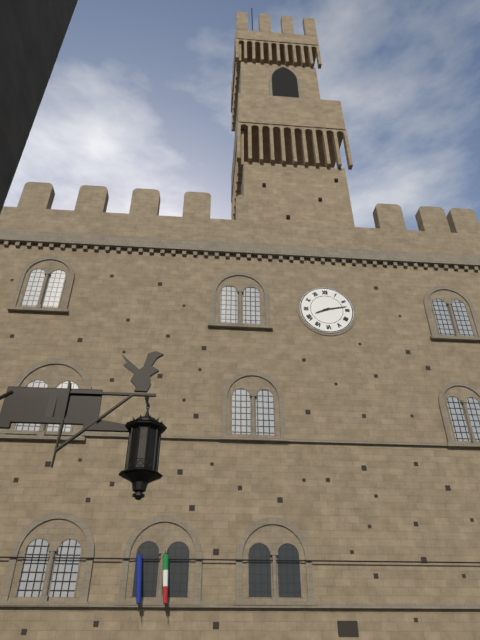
8:13
